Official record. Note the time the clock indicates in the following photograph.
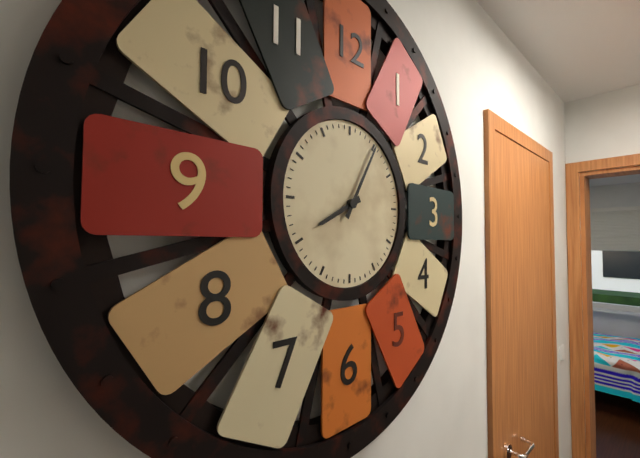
8:05
